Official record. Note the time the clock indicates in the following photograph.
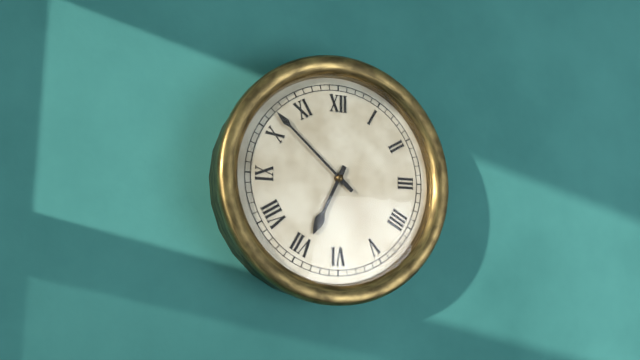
6:52
